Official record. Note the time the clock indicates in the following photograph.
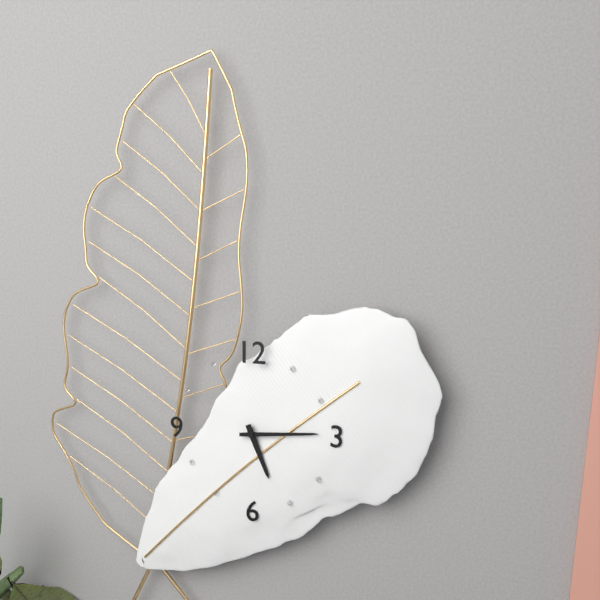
5:14
